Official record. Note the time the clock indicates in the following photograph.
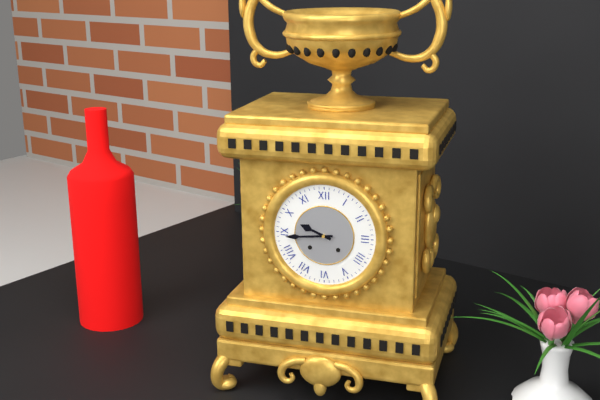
9:44
